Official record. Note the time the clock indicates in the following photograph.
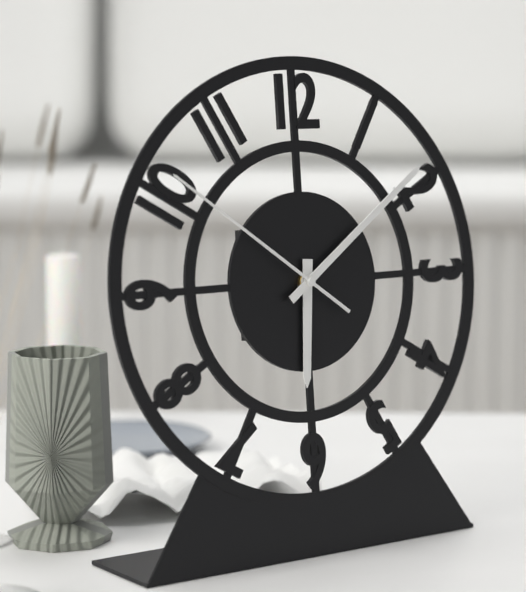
6:09:51
